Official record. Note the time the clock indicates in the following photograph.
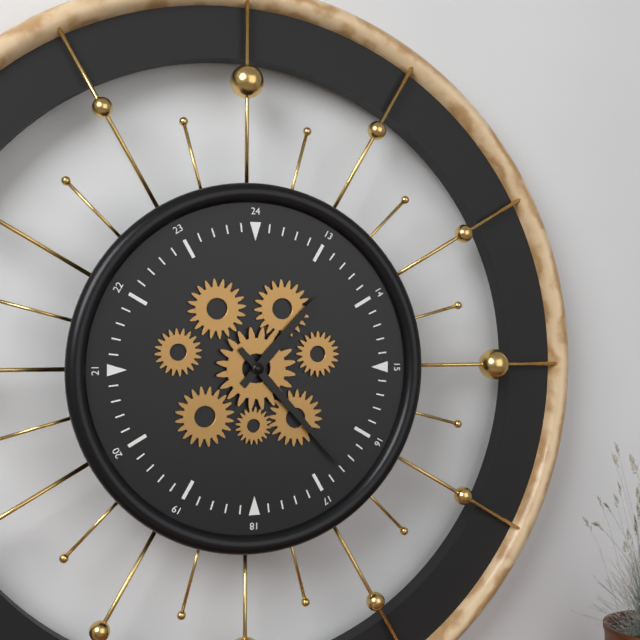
1:23
